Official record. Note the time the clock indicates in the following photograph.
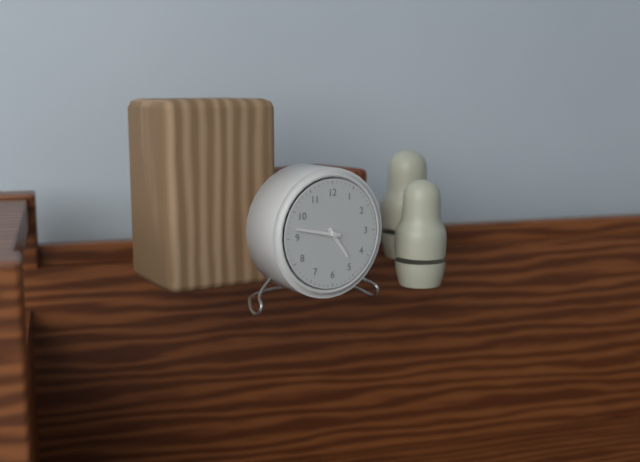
4:47
